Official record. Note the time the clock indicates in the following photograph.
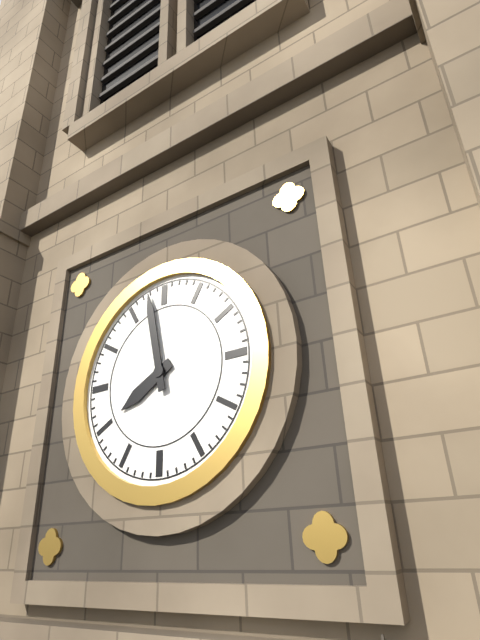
7:58
